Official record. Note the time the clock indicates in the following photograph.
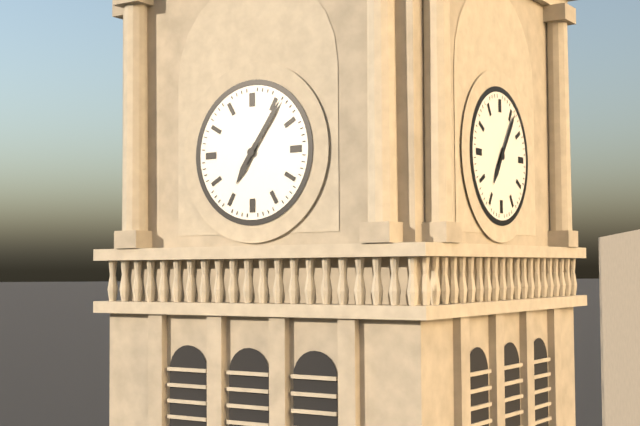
7:06
